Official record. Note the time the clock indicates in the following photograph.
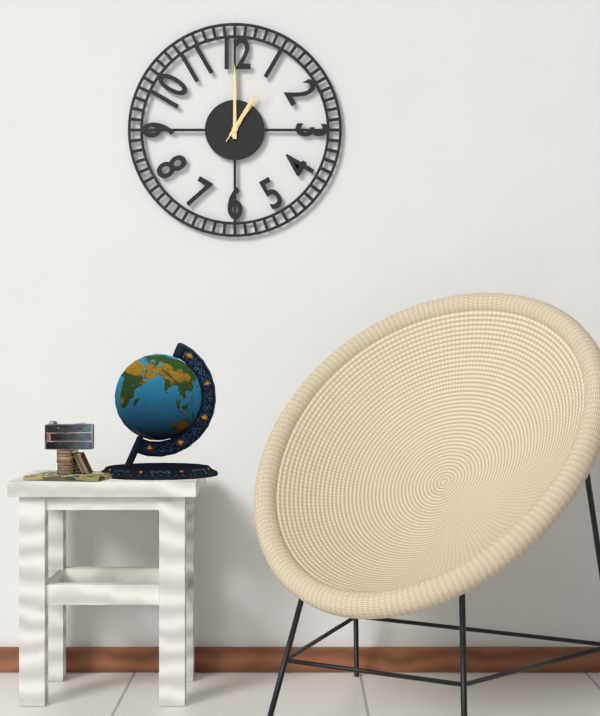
1:00:06
